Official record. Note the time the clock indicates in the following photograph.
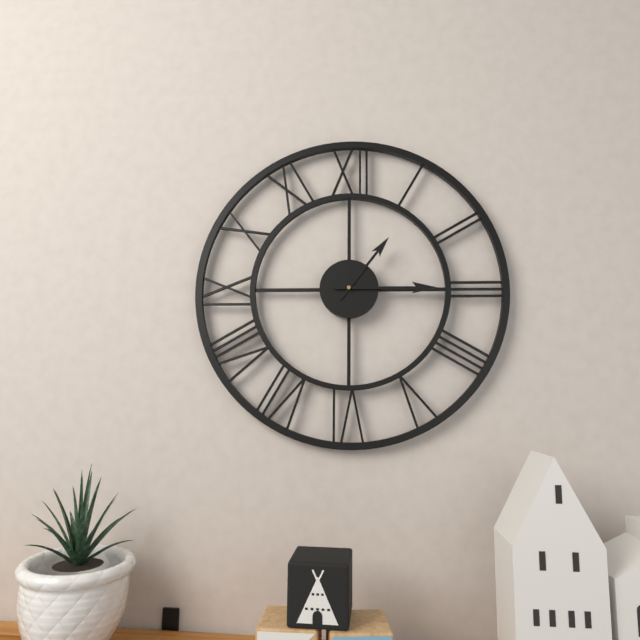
1:15
